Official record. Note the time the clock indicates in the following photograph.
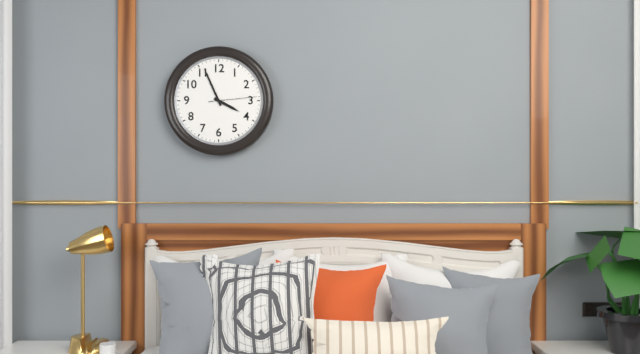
3:56
